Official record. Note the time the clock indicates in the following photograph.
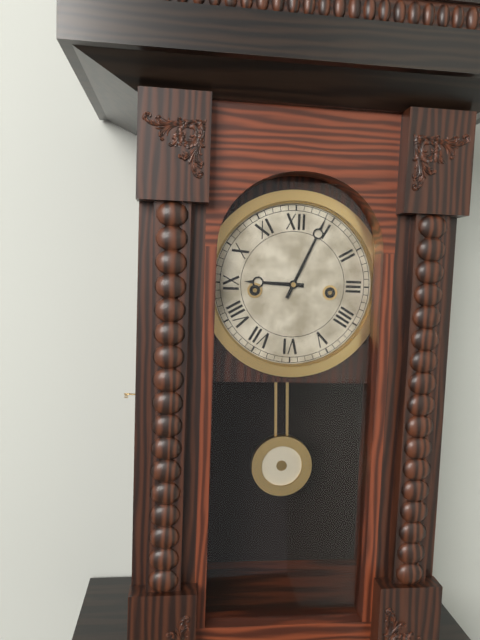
9:04
